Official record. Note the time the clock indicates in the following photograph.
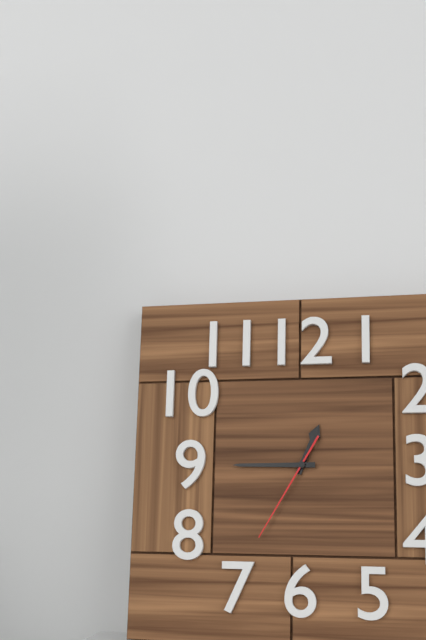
12:45:35
